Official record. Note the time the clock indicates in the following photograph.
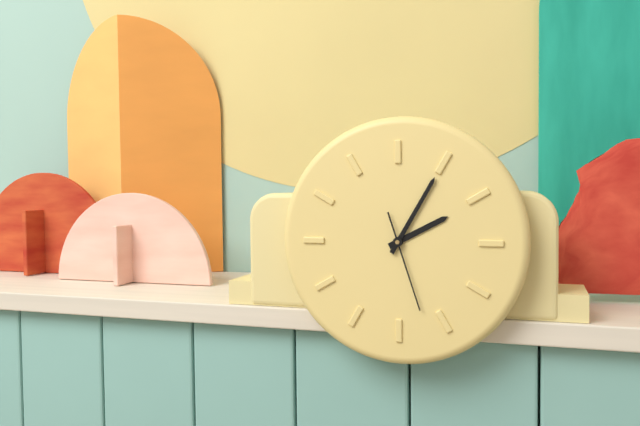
2:05:27
